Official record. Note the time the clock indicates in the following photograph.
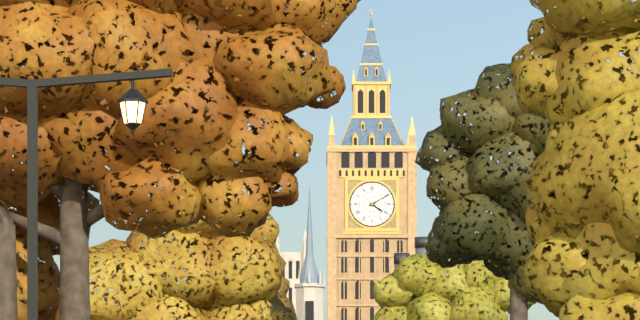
4:10
